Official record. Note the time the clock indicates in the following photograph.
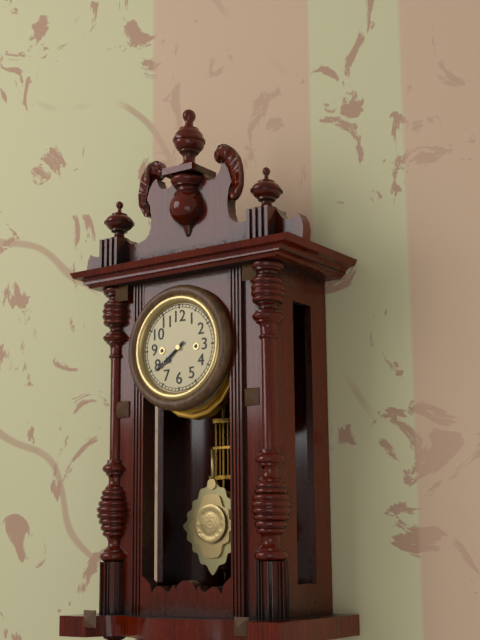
7:39
